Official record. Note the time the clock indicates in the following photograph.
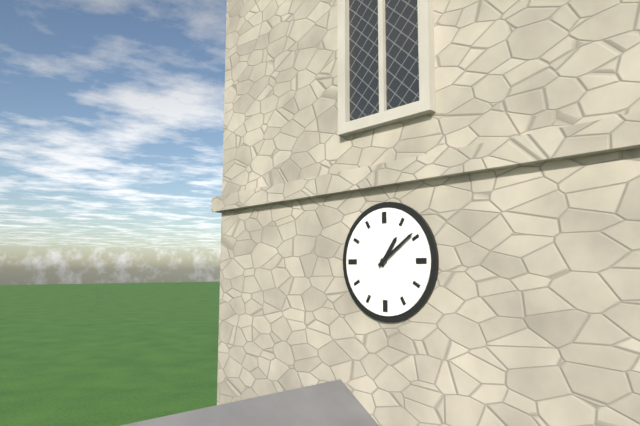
1:09
